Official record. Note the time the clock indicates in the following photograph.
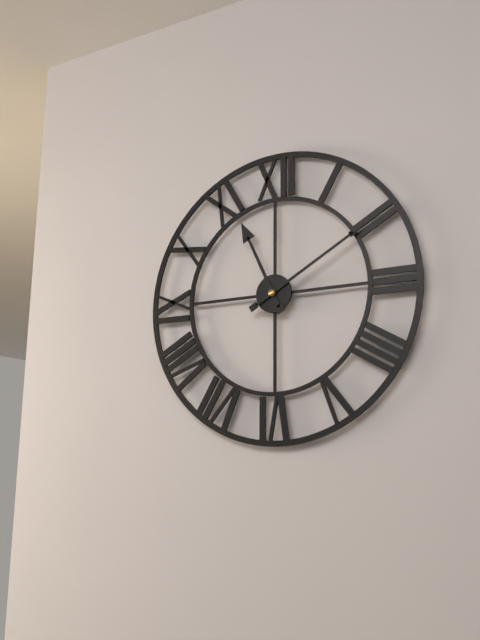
11:10
